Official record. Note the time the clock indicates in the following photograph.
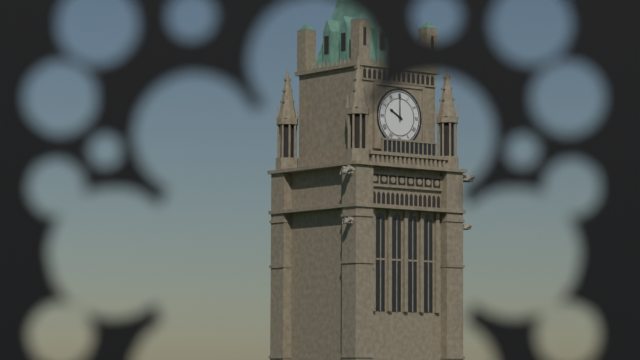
10:00
